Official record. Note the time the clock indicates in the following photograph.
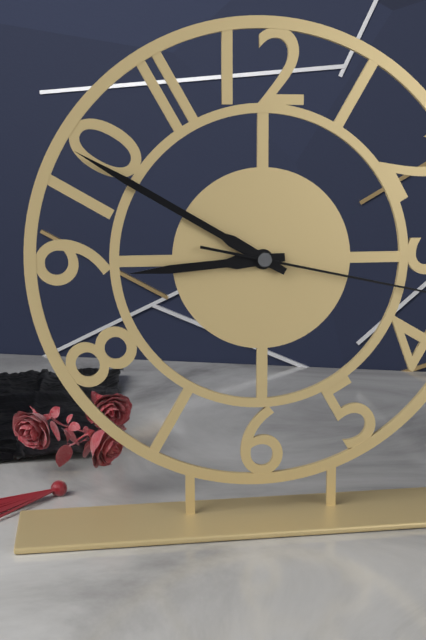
8:50
